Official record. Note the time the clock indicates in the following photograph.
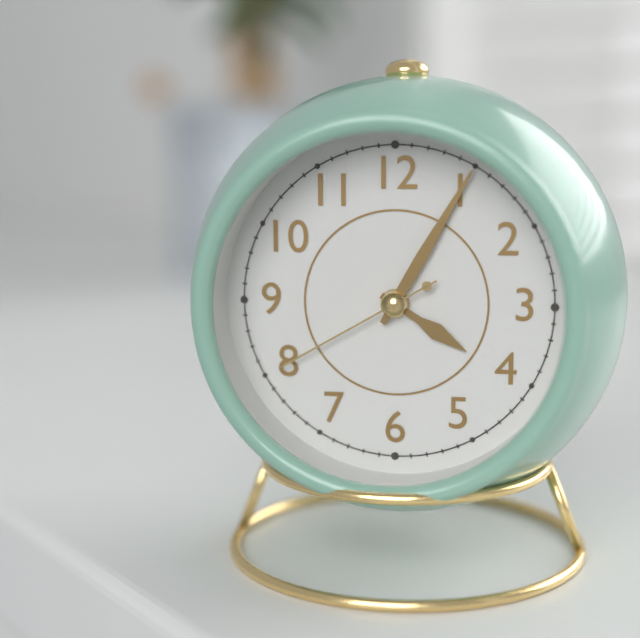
4:05:40
